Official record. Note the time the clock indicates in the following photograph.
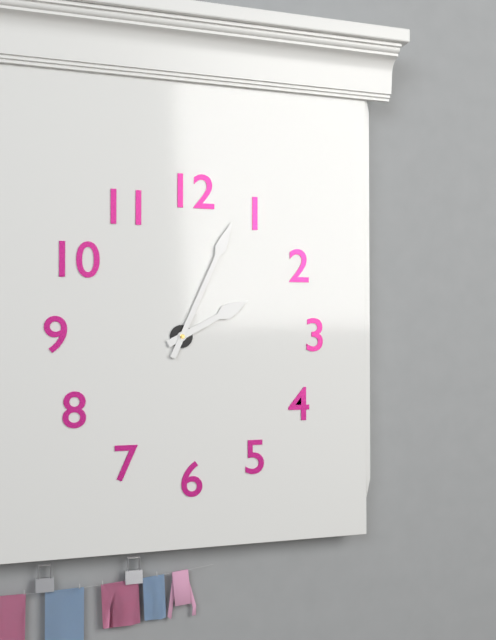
2:04
